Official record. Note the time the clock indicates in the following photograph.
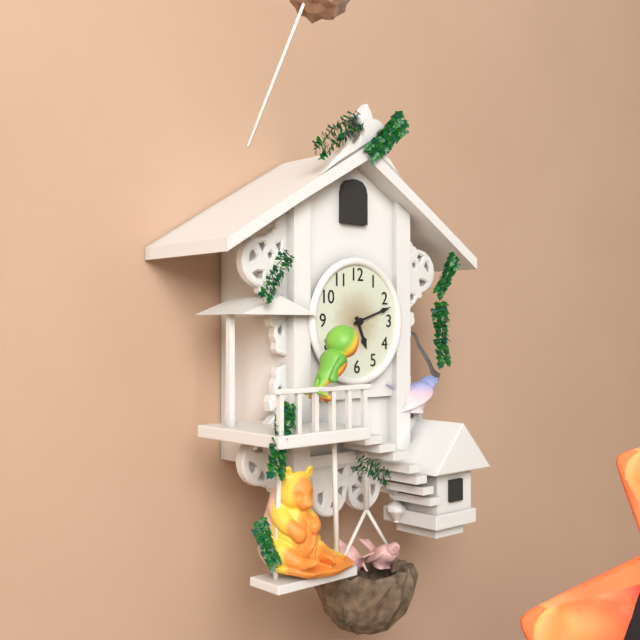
5:12
